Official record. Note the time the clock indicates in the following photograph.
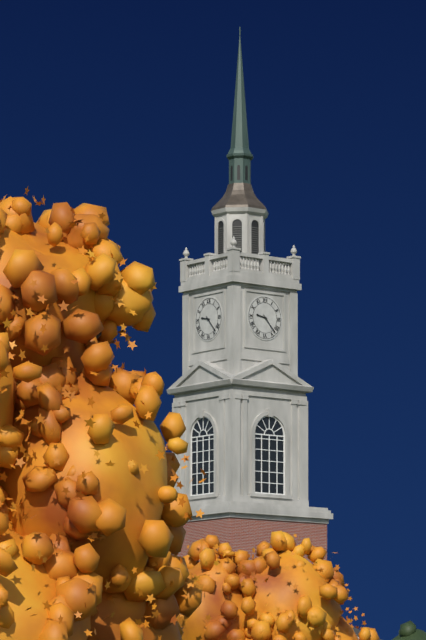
9:23
